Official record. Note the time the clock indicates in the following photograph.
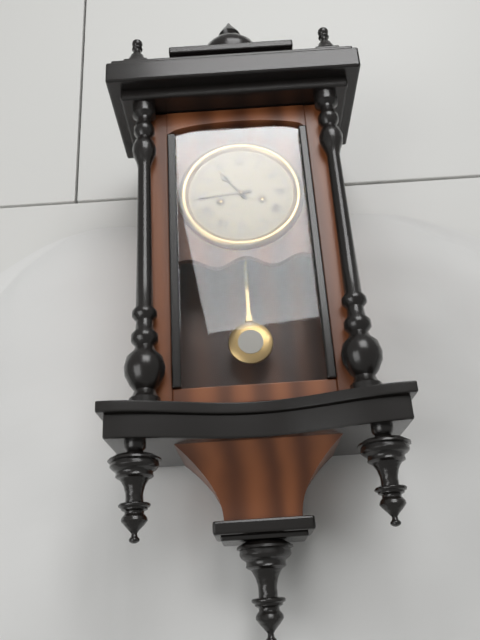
10:44
